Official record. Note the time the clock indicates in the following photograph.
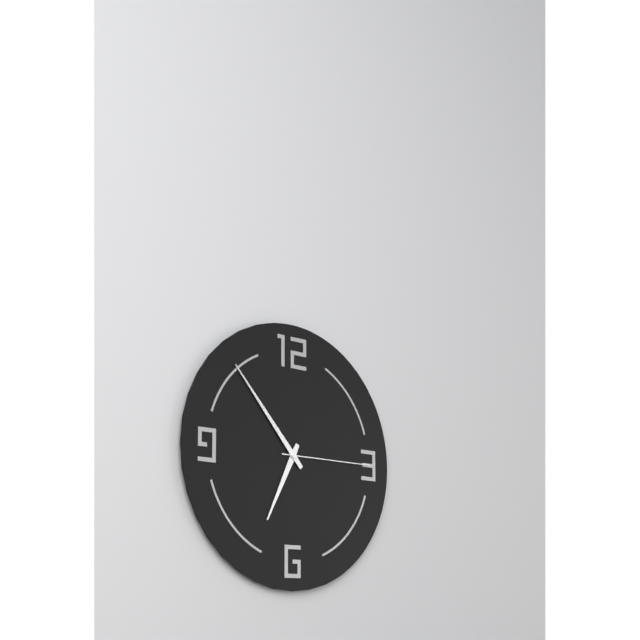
6:53:15
